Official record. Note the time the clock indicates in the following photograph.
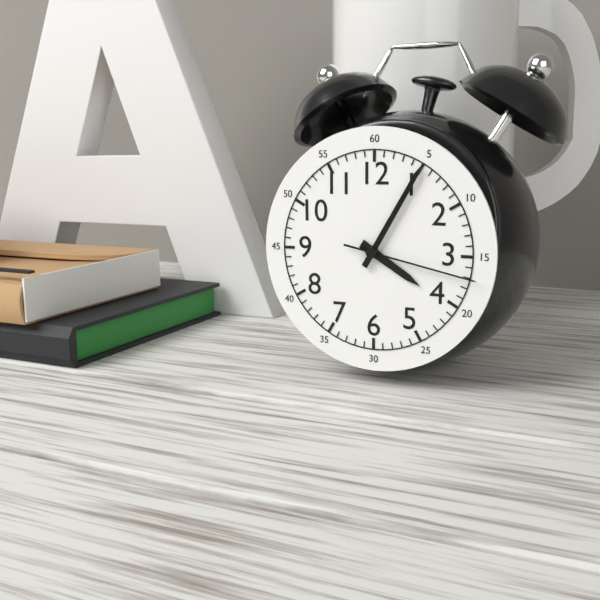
4:05:17
